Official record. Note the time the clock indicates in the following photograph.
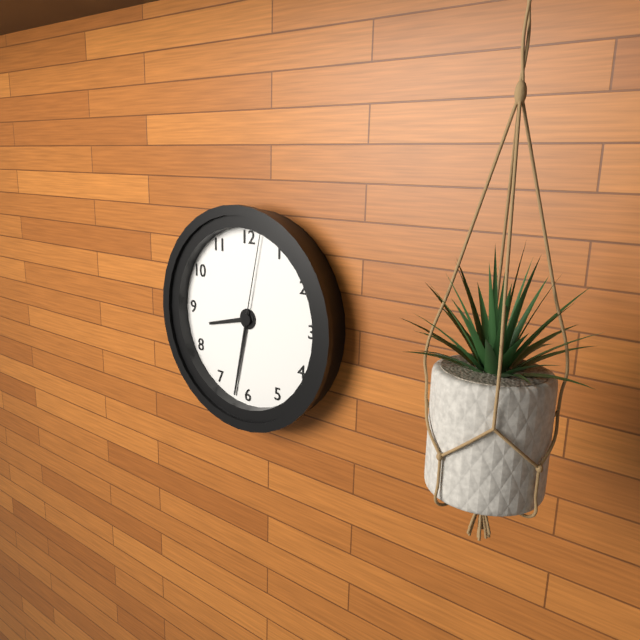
8:32:02
